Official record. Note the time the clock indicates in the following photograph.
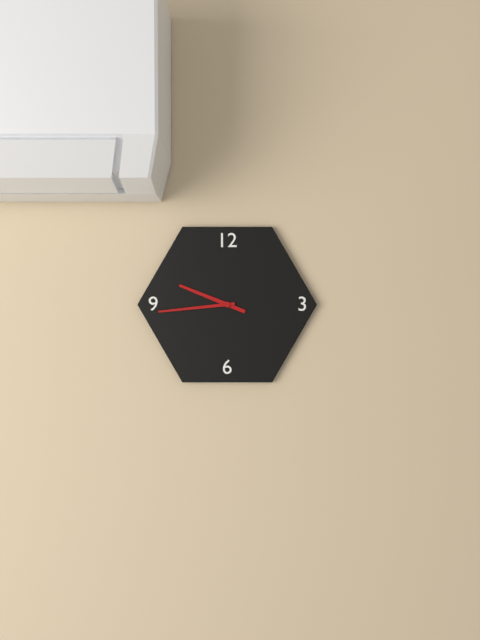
9:44
